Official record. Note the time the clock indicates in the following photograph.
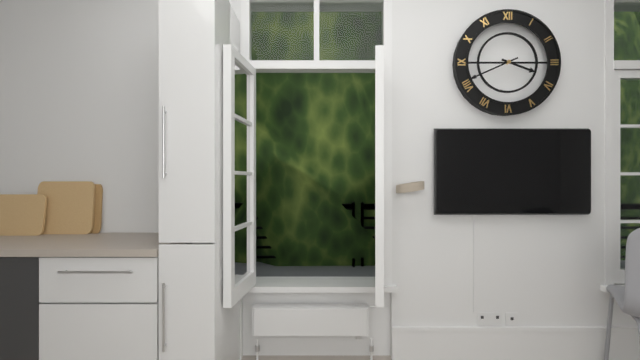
3:41
